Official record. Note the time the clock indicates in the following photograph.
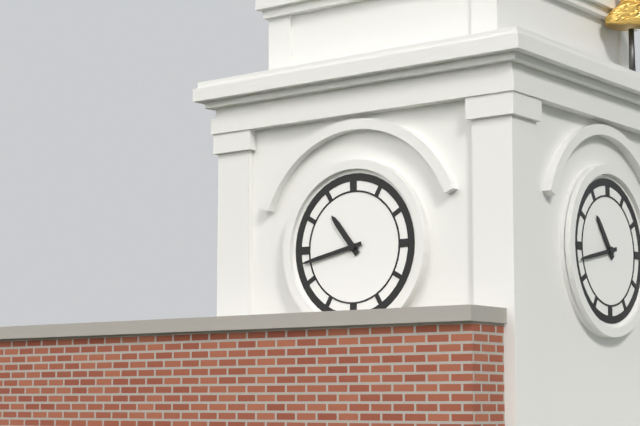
10:43
